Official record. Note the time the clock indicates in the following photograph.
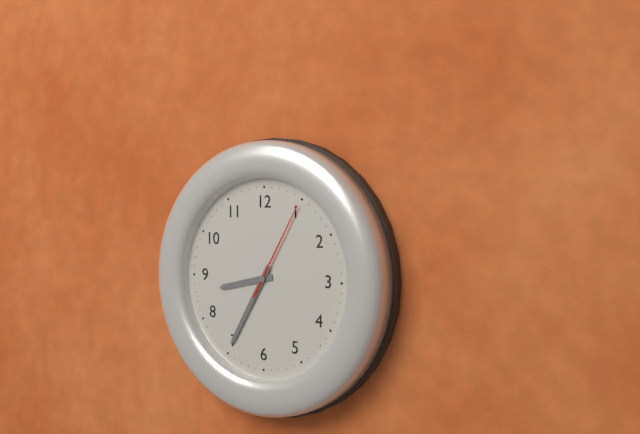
8:35:05
